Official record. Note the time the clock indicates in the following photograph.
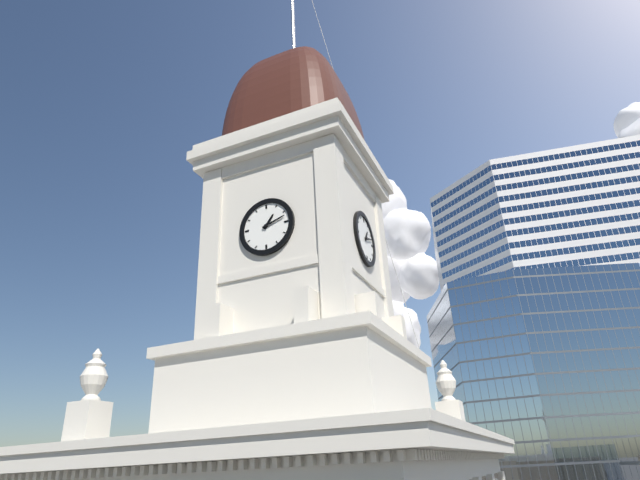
1:12
